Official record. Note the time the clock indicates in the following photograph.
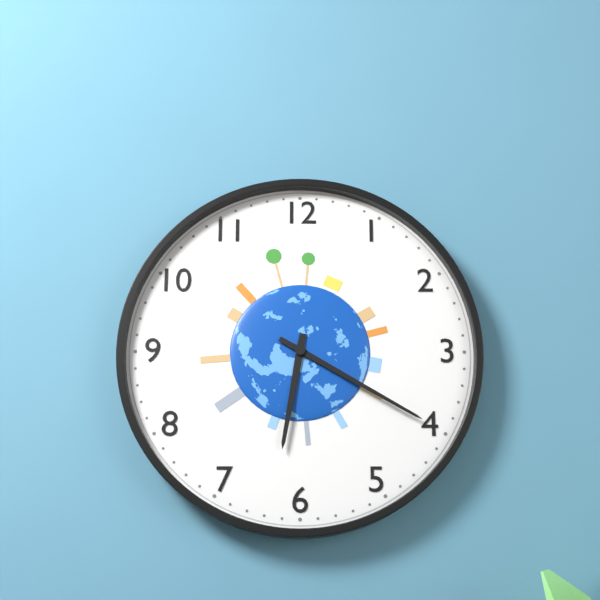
6:20
